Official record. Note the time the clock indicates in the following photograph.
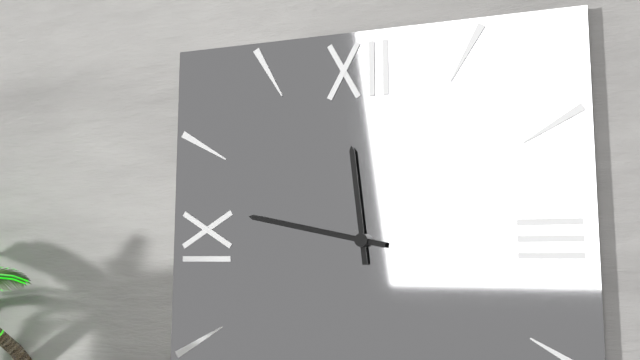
11:47
